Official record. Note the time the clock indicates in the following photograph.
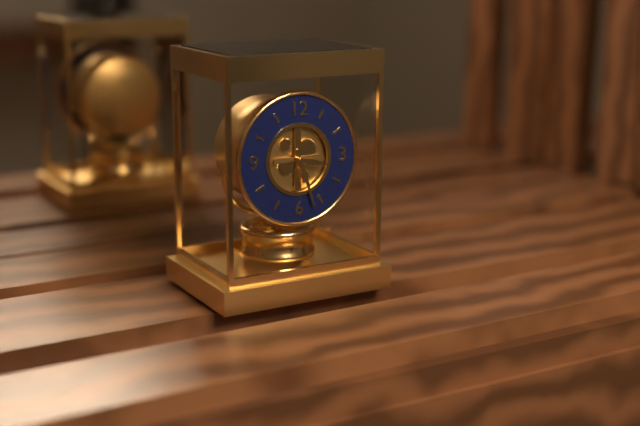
3:27
